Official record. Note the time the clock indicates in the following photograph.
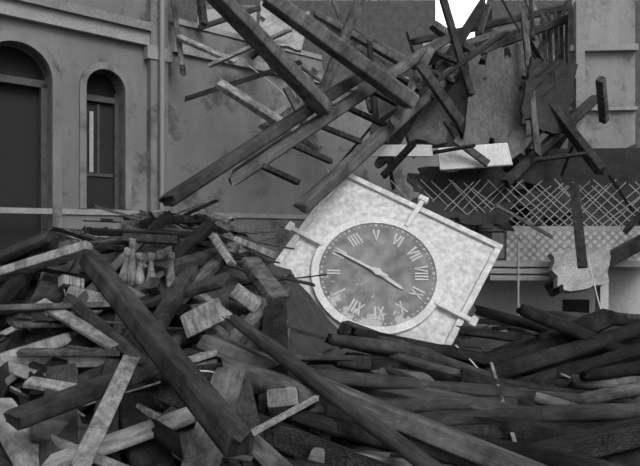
9:15
